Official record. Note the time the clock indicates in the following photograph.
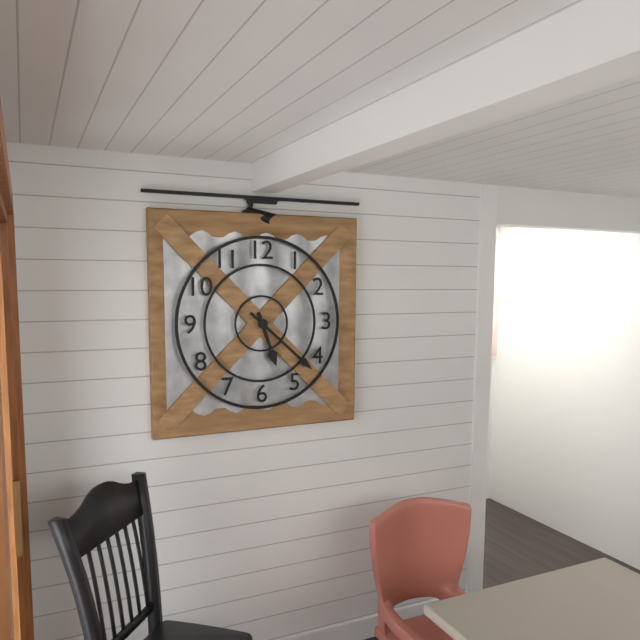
5:22
